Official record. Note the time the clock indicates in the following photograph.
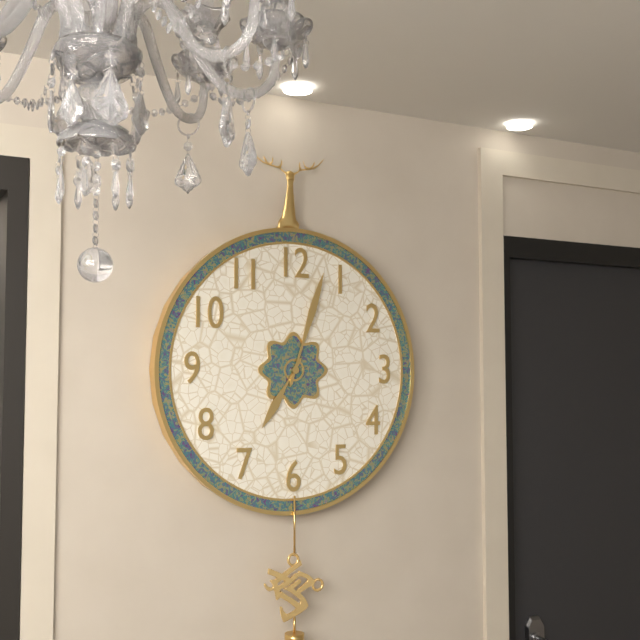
7:03
